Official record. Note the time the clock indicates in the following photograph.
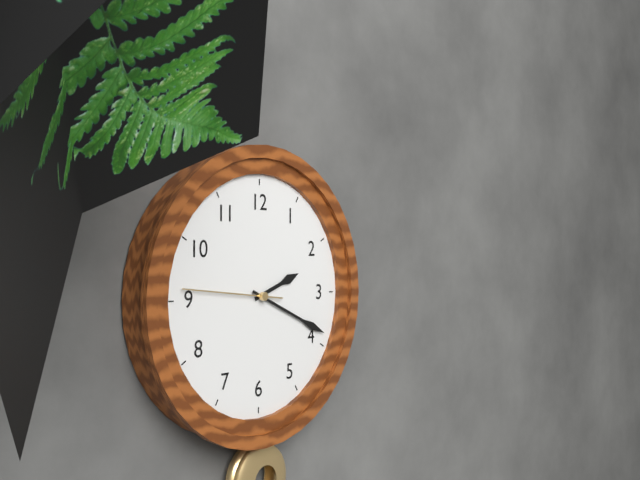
2:19:46
